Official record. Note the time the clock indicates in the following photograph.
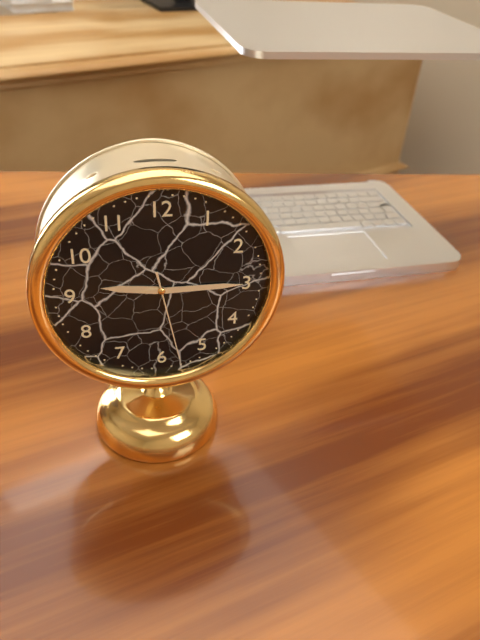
9:15:28
